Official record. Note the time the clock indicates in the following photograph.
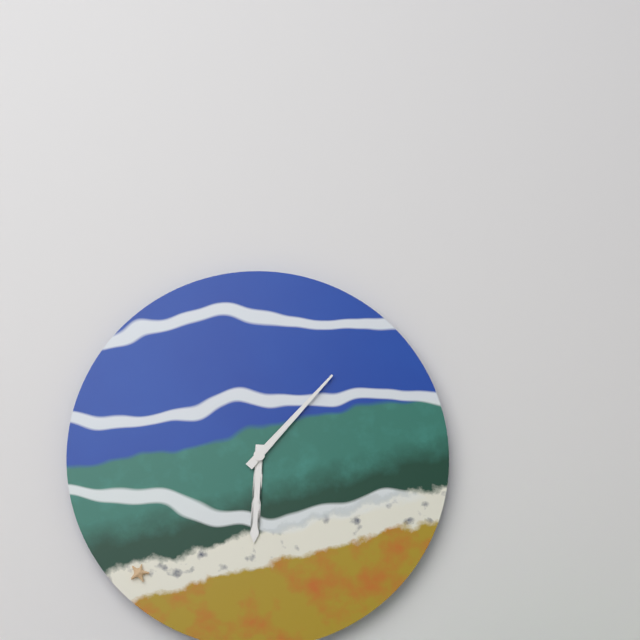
6:07
